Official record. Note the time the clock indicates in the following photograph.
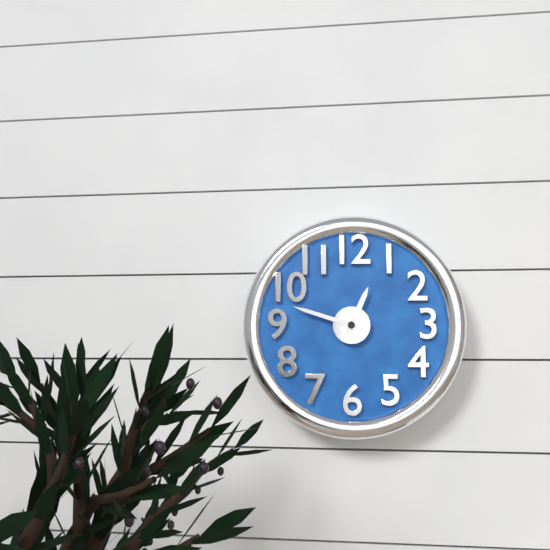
12:48
